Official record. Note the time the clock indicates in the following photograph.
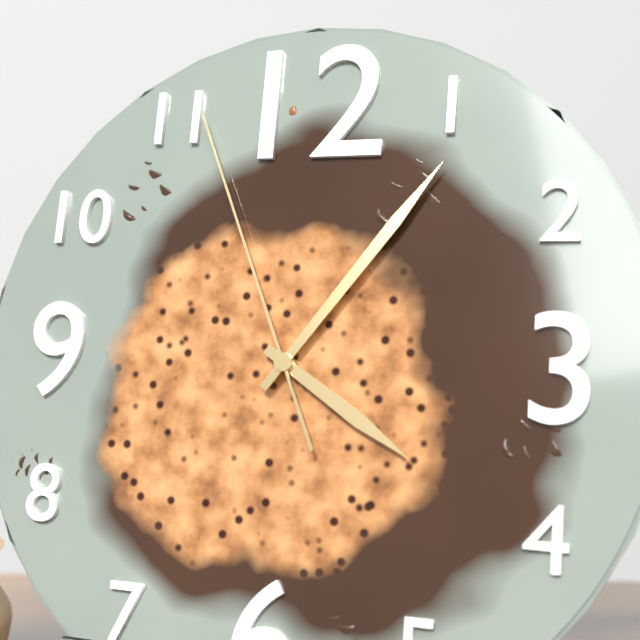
4:06:56
